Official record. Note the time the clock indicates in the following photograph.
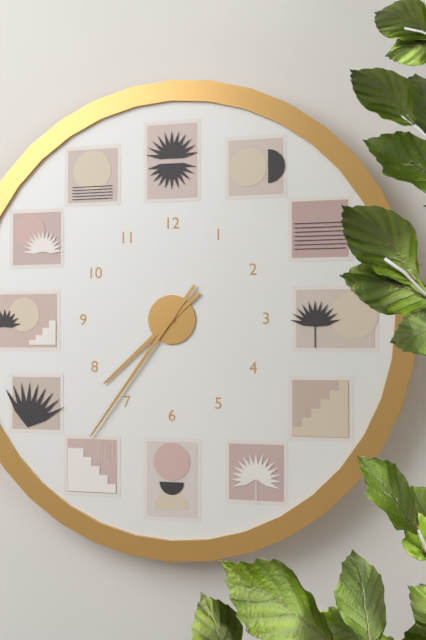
7:36
